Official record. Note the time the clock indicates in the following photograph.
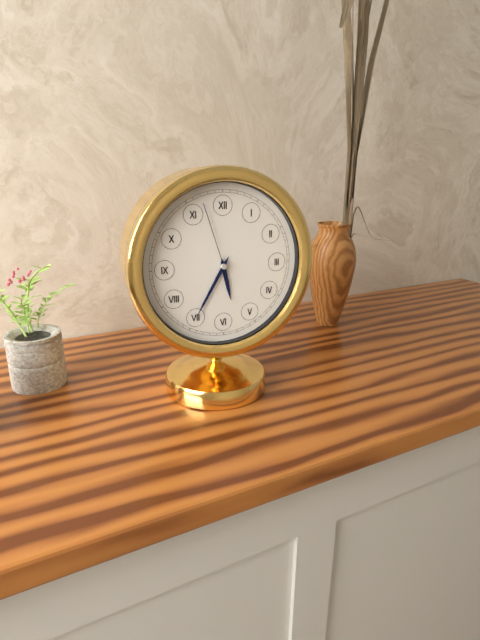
5:35:57
